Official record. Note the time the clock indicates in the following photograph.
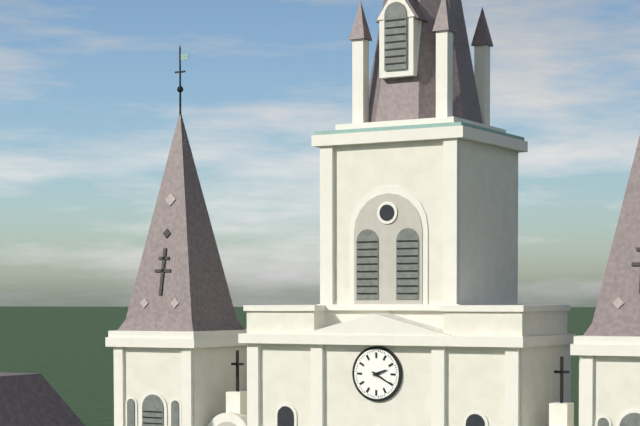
2:20
